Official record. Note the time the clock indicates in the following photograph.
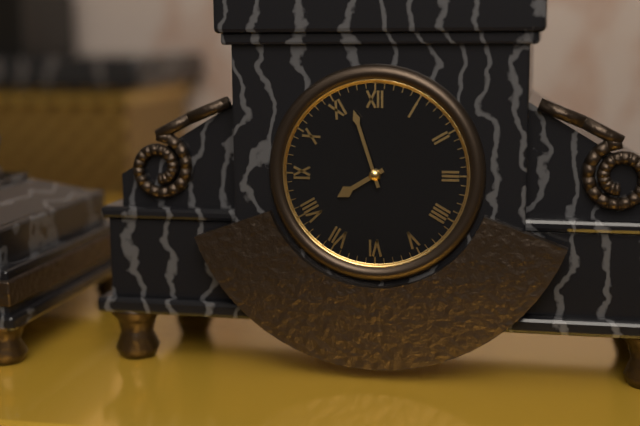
7:57
